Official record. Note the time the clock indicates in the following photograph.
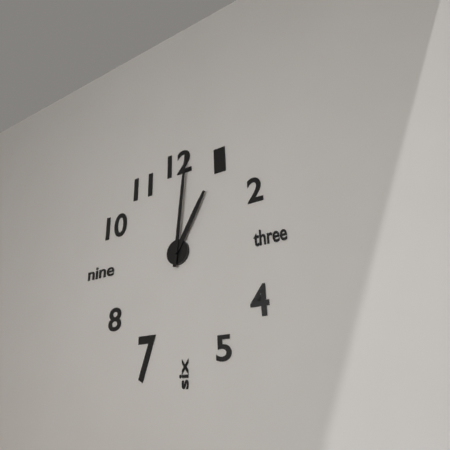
1:01
